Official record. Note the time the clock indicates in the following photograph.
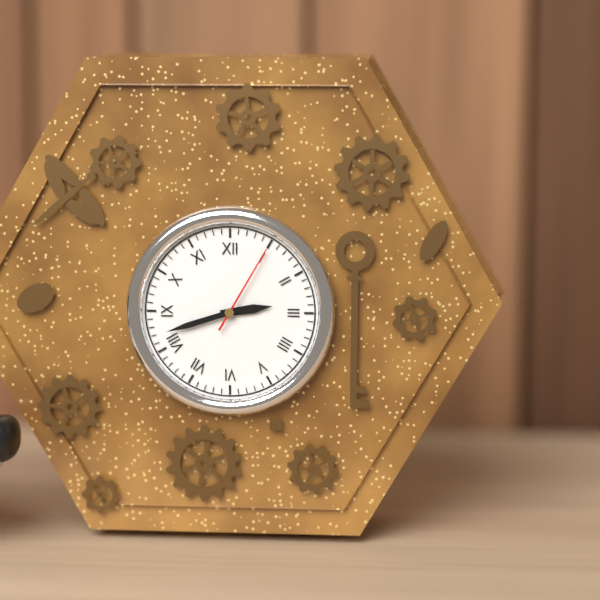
2:42:05
